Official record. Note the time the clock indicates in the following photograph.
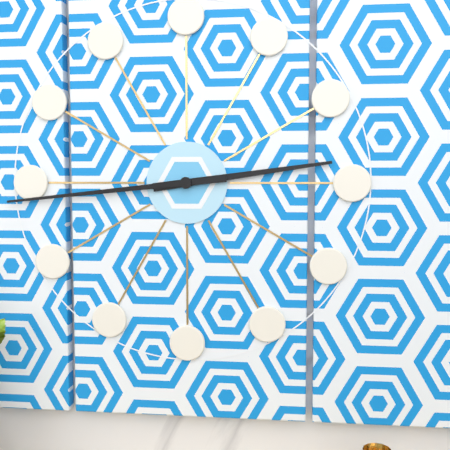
2:44
